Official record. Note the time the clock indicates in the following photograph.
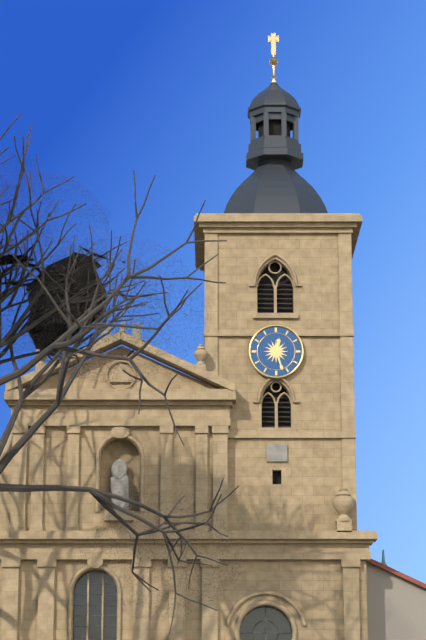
12:27
